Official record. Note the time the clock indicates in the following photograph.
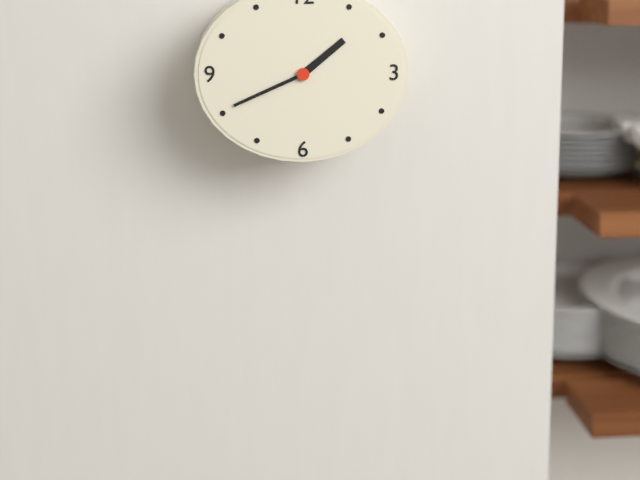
1:41
